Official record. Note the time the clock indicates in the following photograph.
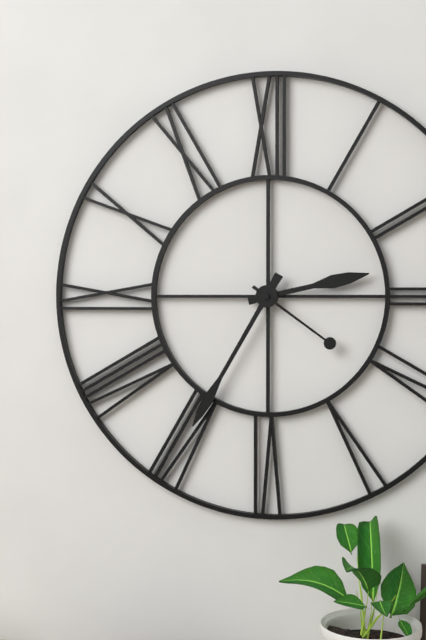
2:35:21
